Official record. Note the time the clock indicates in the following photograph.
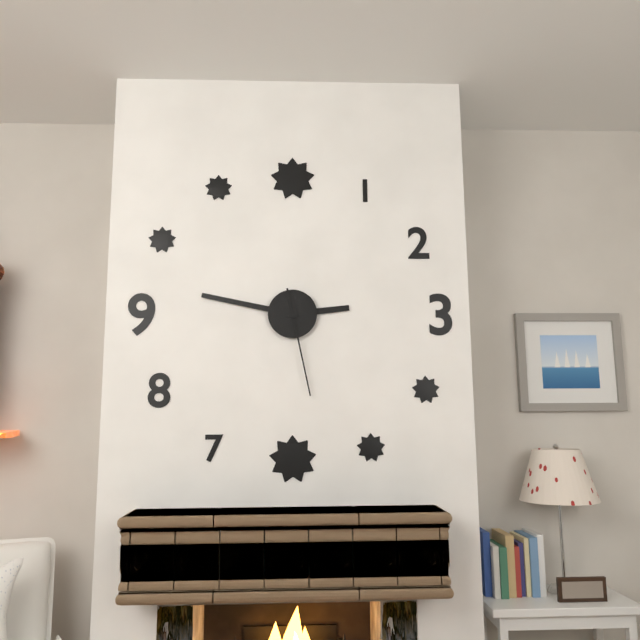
2:47:28
